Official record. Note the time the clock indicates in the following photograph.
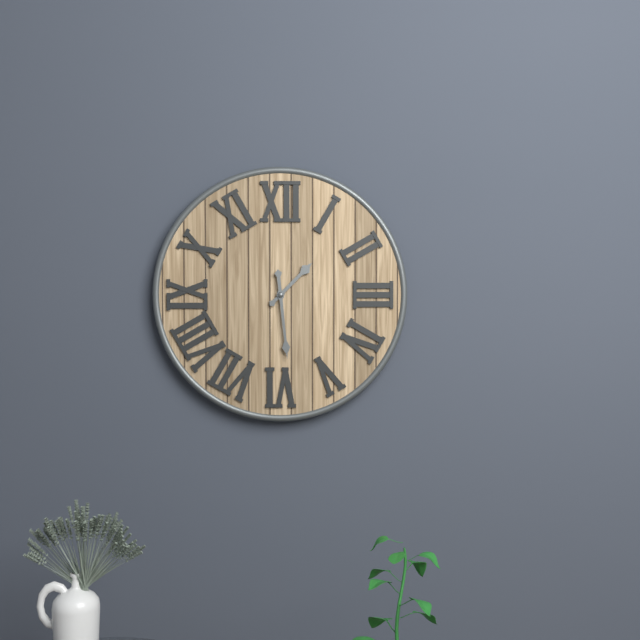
1:29
